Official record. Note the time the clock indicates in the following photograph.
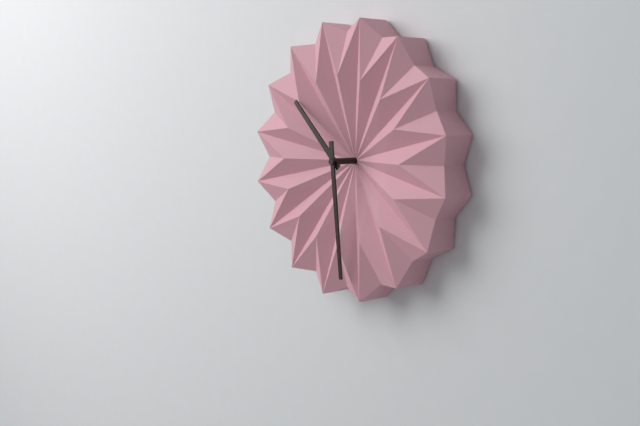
10:29
